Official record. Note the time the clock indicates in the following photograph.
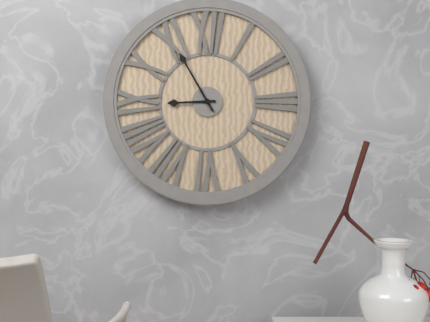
8:55
